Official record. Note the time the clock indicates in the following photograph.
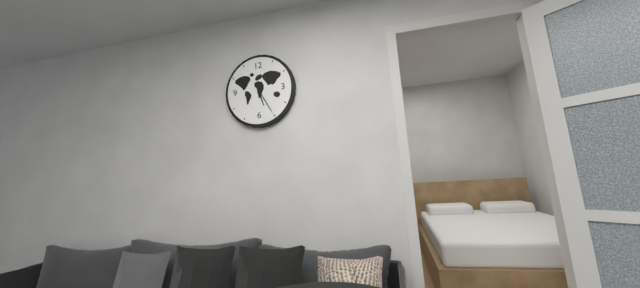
5:25
